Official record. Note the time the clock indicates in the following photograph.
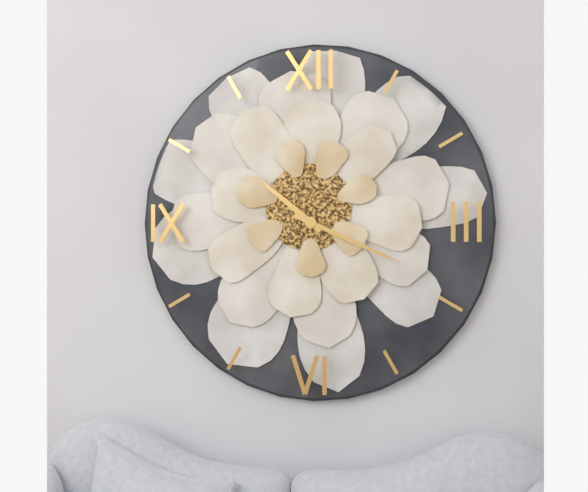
10:19
